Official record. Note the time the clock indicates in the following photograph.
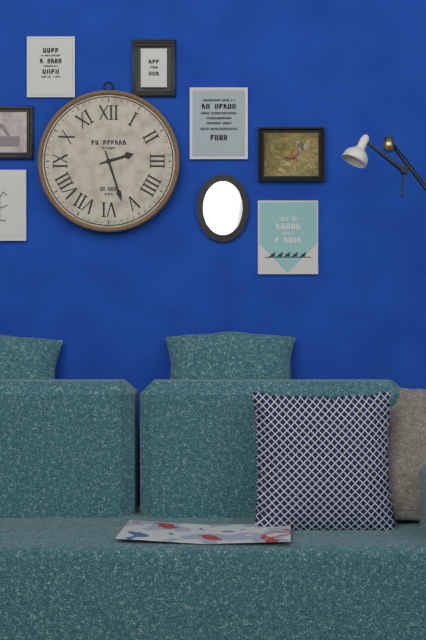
2:27
